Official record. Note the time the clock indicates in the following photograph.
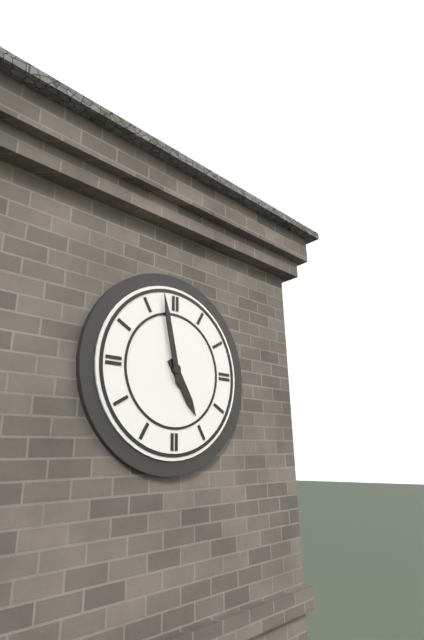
4:58
